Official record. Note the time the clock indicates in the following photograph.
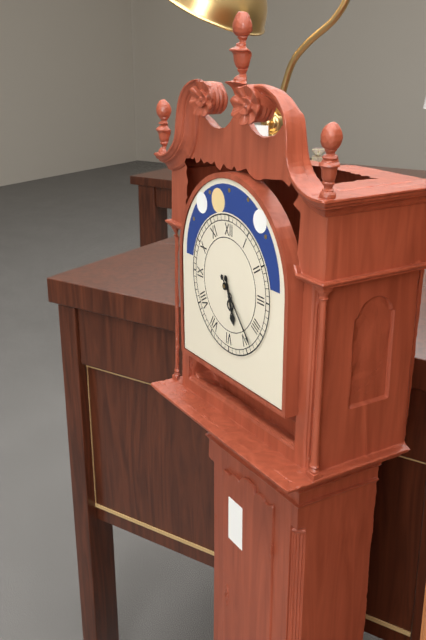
5:23
